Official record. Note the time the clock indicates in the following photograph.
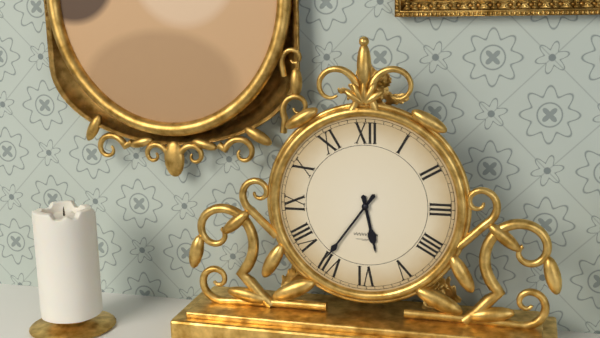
5:36
